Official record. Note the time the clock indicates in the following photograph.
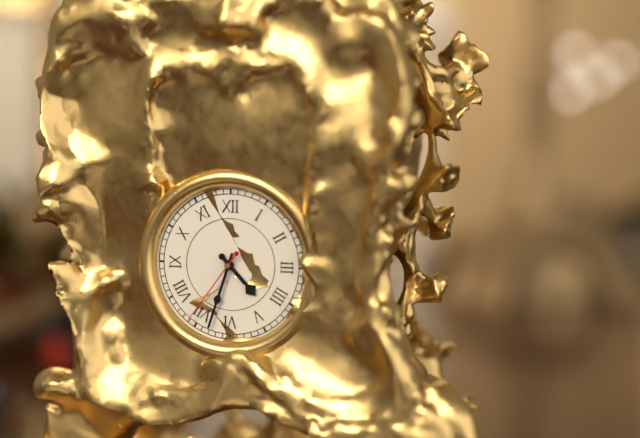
4:33:36
